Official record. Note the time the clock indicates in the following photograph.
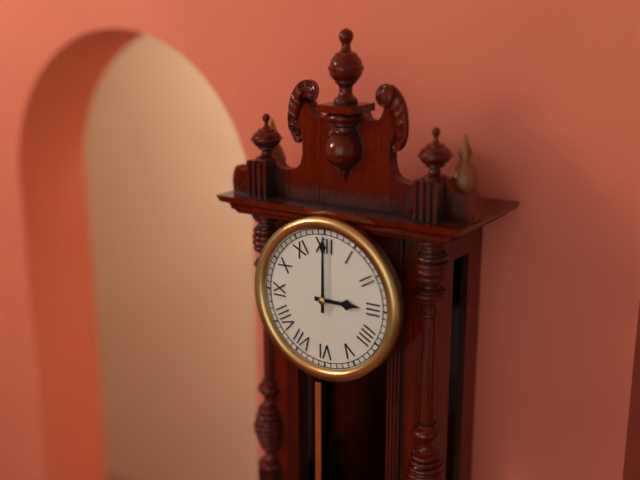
3:00
